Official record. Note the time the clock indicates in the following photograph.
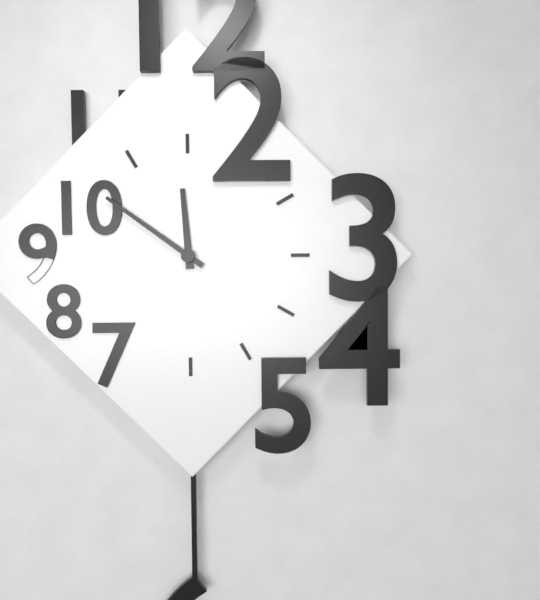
11:51
